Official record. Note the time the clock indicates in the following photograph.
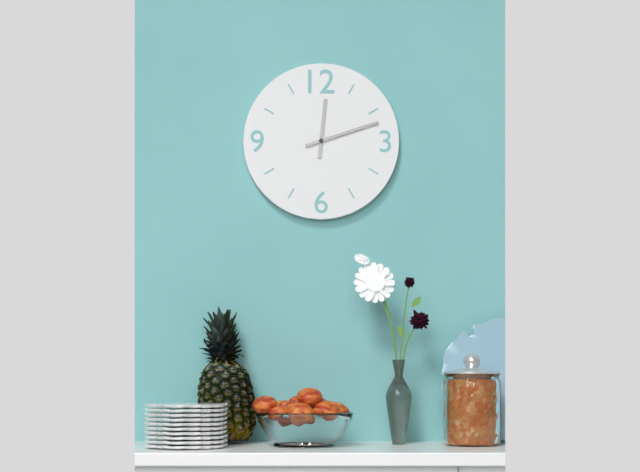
12:12
